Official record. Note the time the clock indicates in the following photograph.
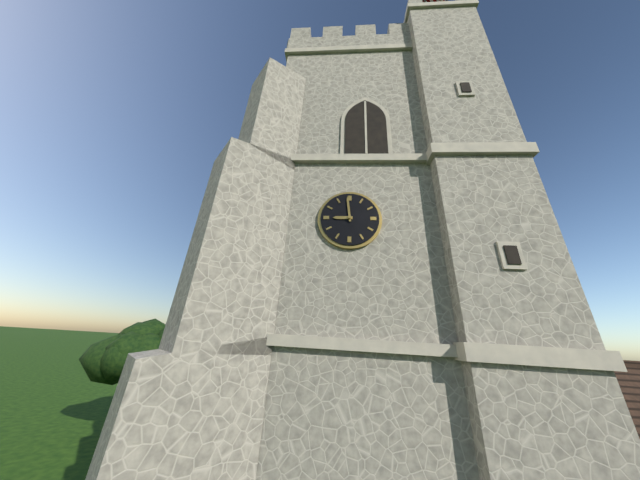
8:59
